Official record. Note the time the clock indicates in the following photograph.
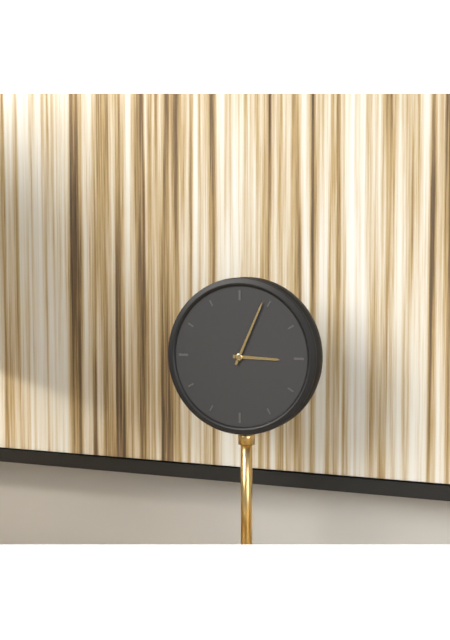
3:04
